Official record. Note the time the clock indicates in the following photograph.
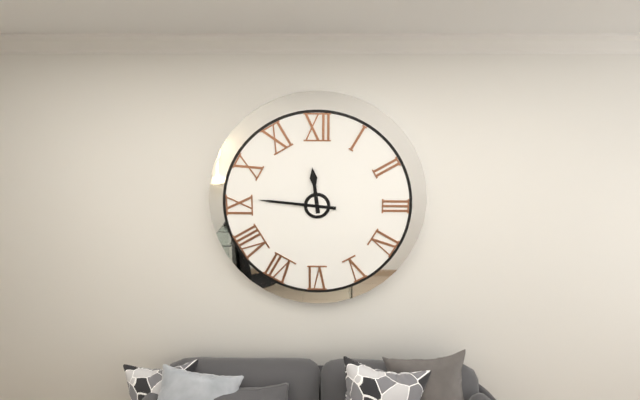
11:46
